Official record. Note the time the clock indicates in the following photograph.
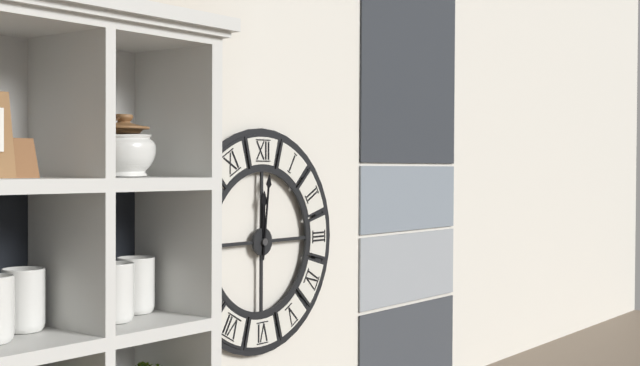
12:01
